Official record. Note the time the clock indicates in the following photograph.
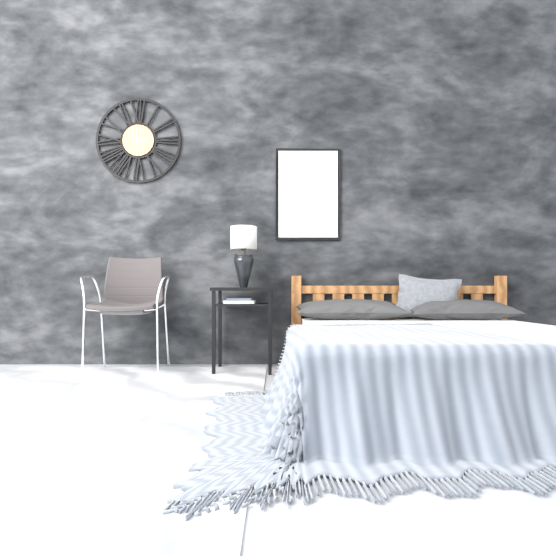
2:59
